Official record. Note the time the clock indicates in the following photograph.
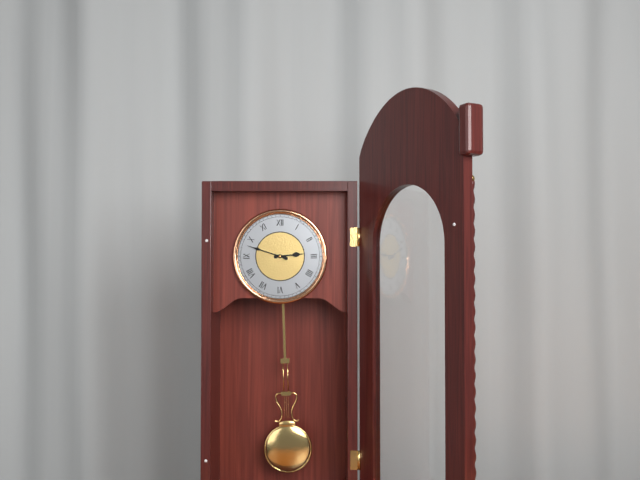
2:48
